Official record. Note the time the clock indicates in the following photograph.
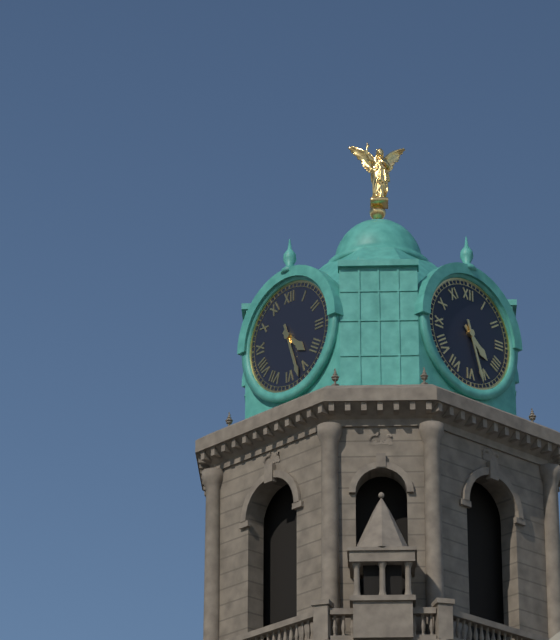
4:27
